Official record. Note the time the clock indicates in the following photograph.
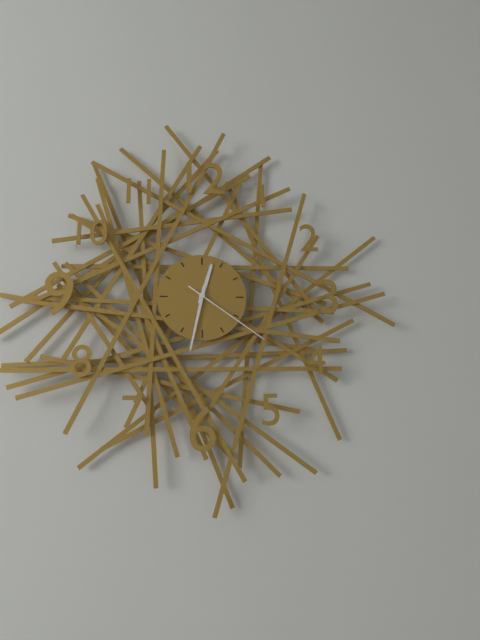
12:32:21
